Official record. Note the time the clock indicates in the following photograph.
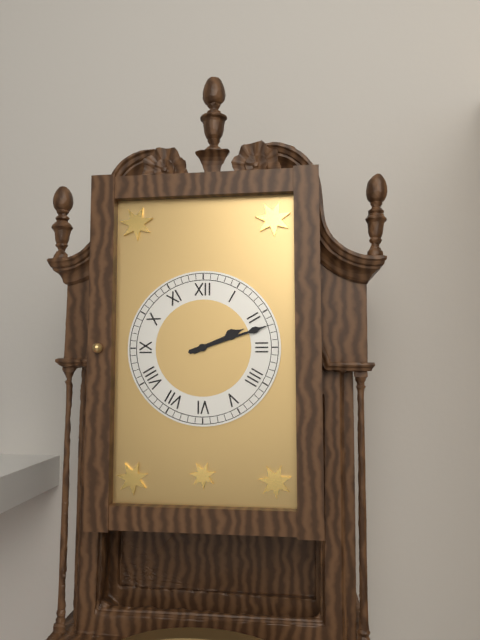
2:12
